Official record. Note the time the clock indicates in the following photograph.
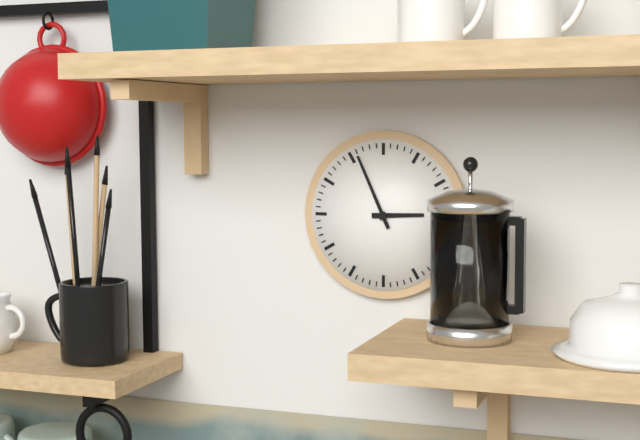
2:56
